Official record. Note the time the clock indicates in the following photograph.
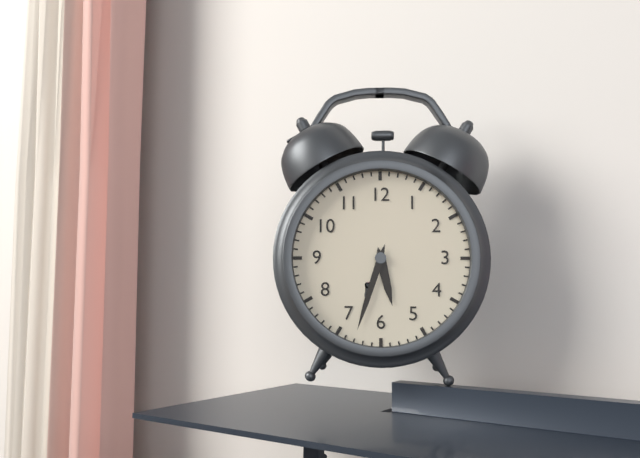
5:33
